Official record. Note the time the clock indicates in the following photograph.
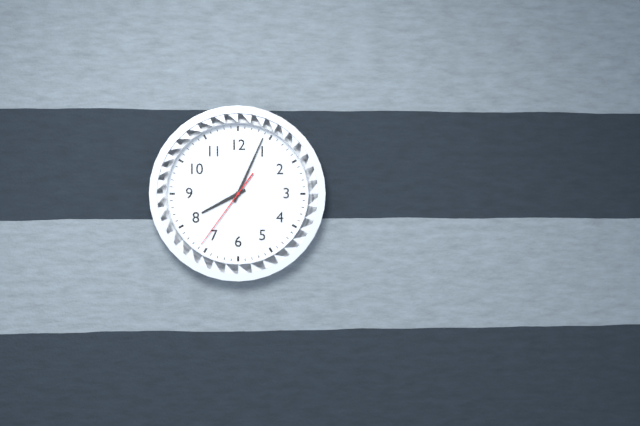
8:04:36
